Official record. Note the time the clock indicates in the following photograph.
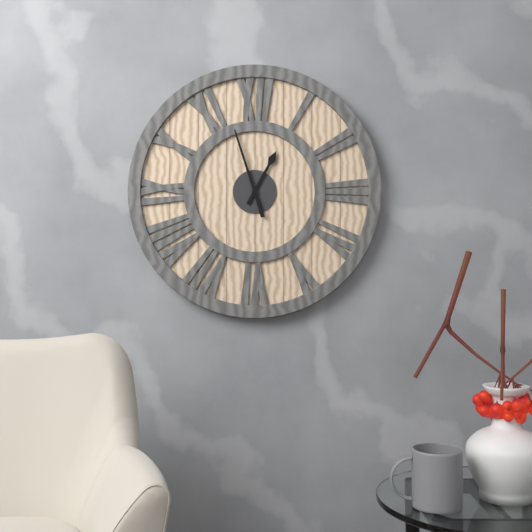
12:57
